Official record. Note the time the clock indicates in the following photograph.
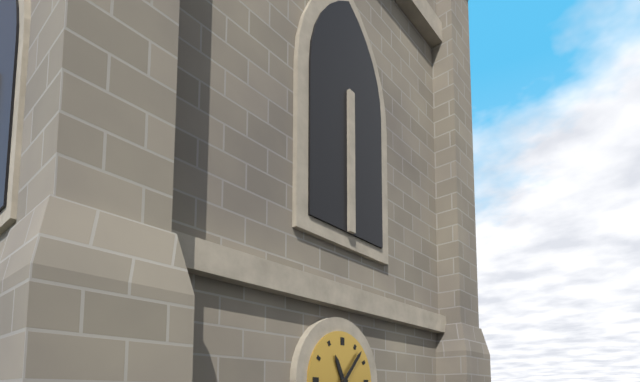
11:07
